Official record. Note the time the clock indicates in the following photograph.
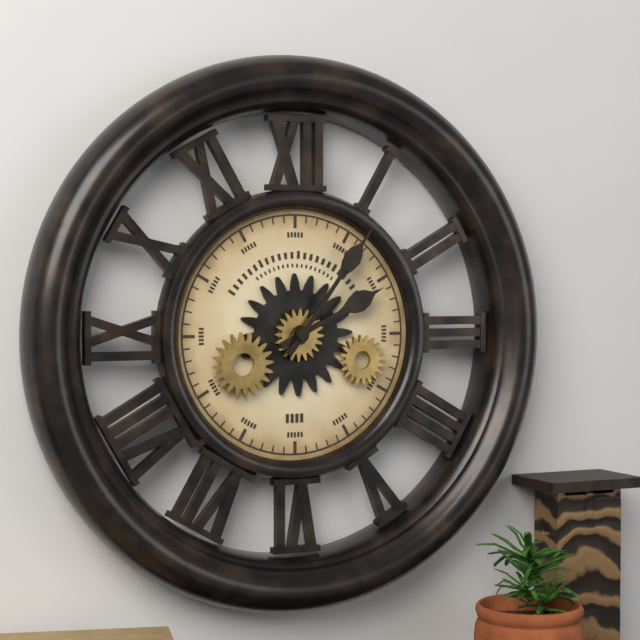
2:06
